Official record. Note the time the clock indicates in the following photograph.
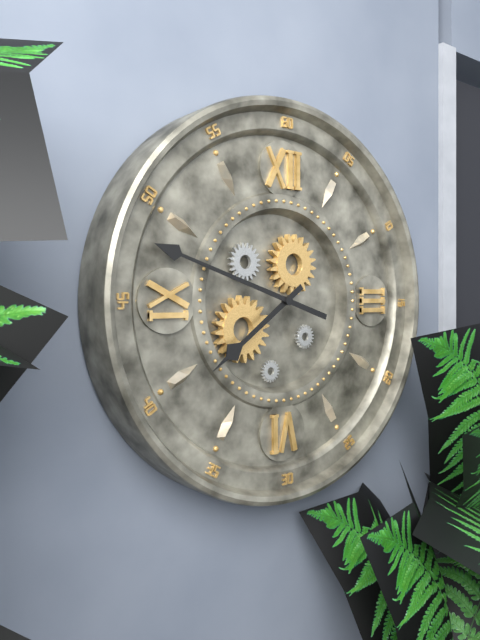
7:48
